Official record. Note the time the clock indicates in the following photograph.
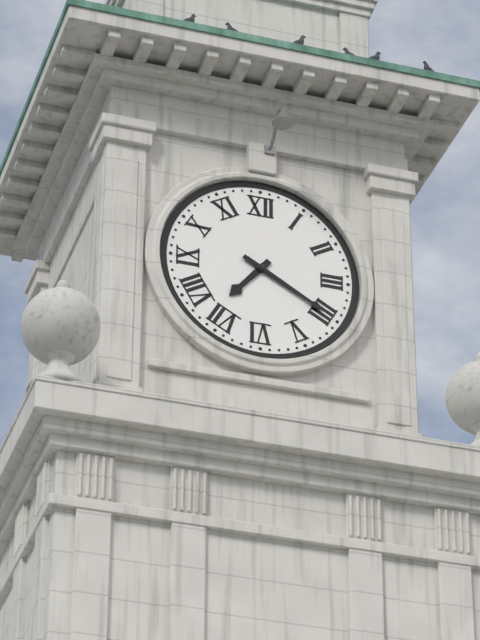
7:20
